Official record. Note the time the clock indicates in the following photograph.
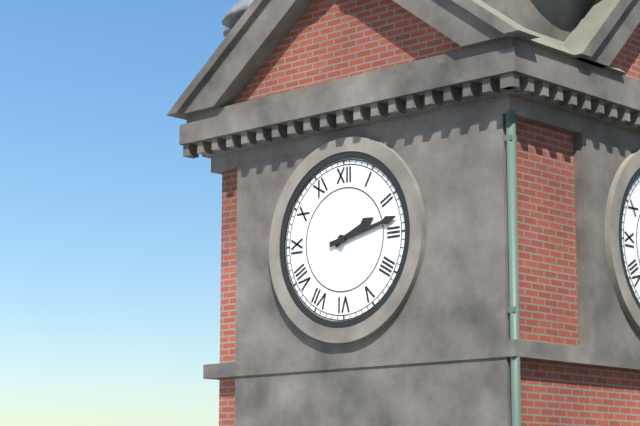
2:13
